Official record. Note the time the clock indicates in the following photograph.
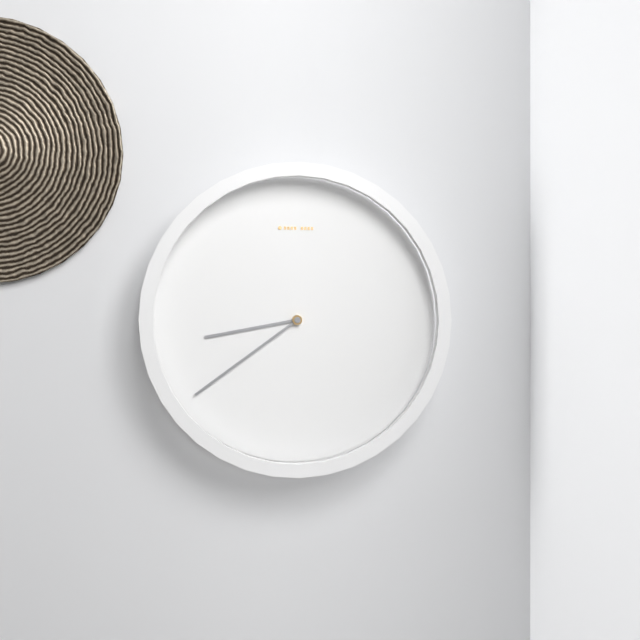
8:39
